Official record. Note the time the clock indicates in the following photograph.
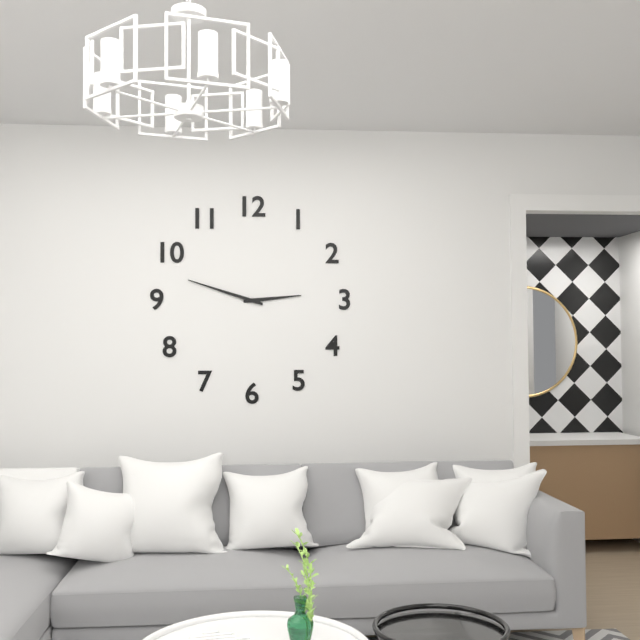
2:48
